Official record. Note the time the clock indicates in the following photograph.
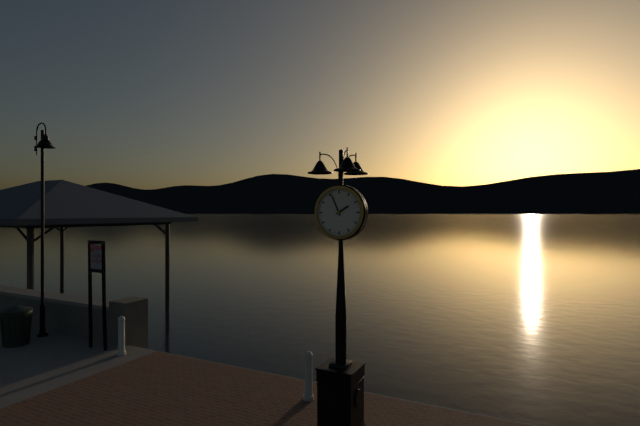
1:56
